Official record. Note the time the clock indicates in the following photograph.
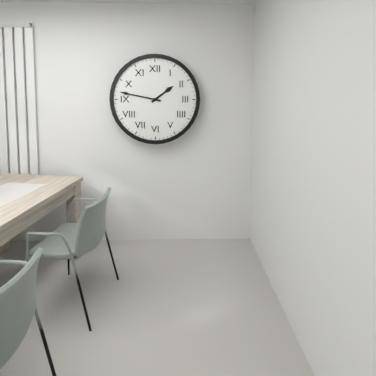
1:47
